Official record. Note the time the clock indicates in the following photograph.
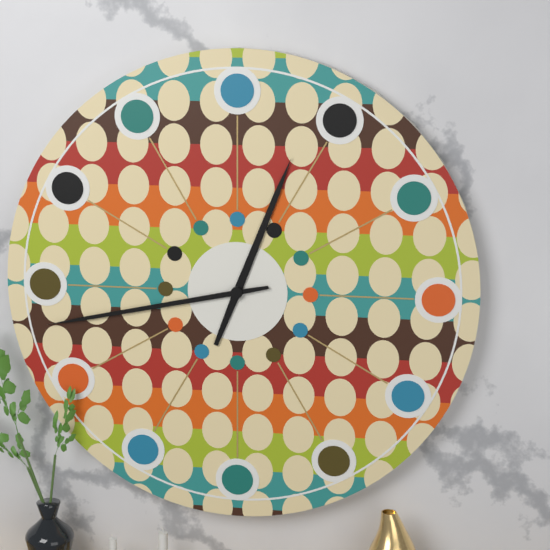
12:43
